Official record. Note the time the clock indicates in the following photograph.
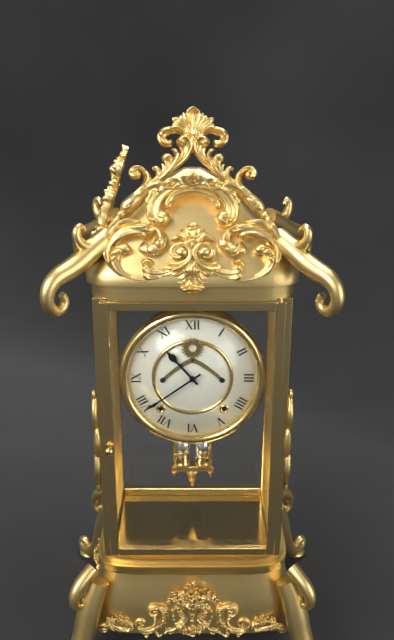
10:39
